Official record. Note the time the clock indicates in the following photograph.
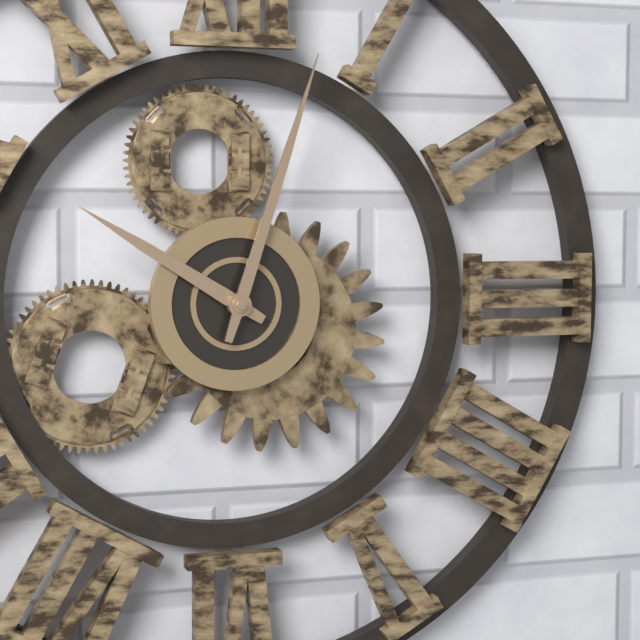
10:03
